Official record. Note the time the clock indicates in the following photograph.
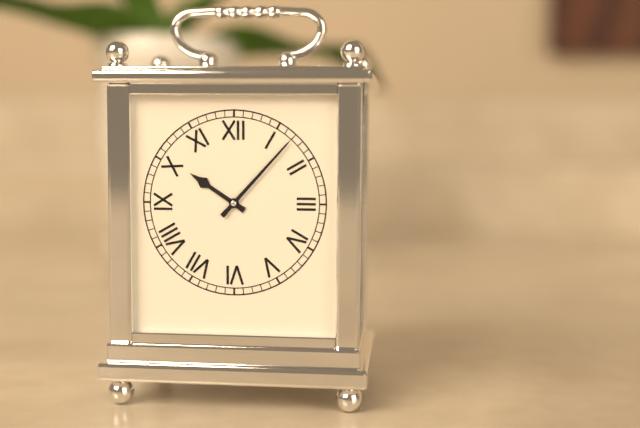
10:07
